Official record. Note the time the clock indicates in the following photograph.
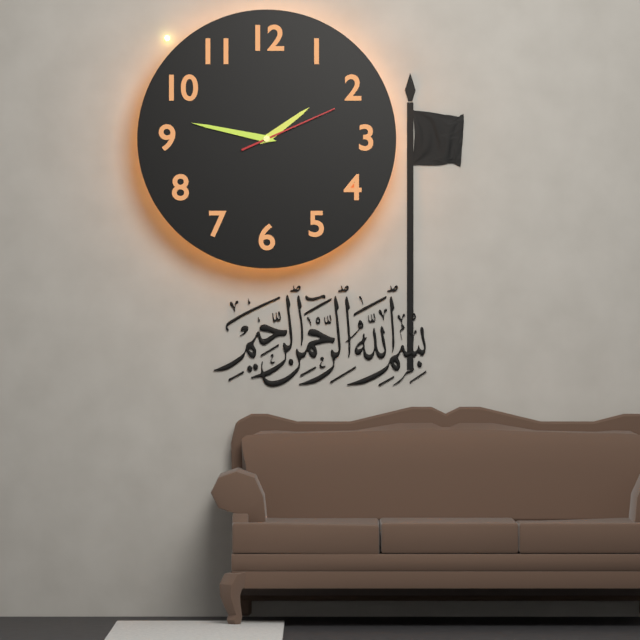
1:47:11
